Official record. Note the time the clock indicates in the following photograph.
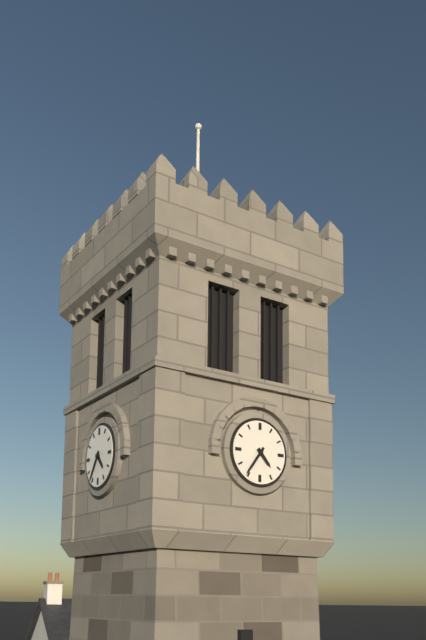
4:36
